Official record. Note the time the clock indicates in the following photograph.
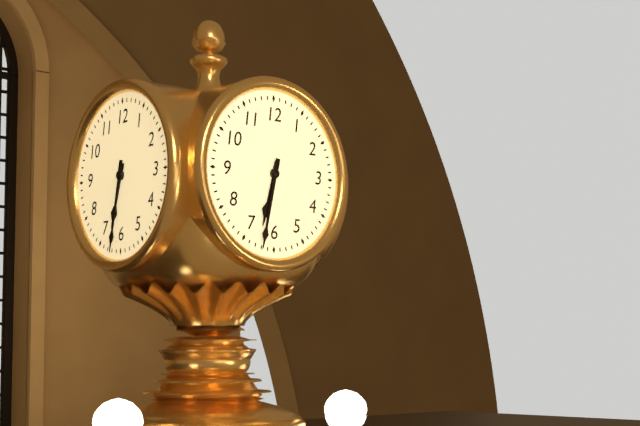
6:32
